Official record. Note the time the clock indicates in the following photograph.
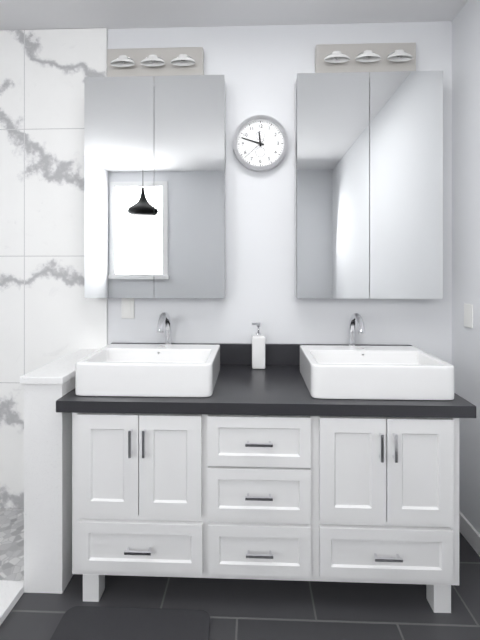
11:48
